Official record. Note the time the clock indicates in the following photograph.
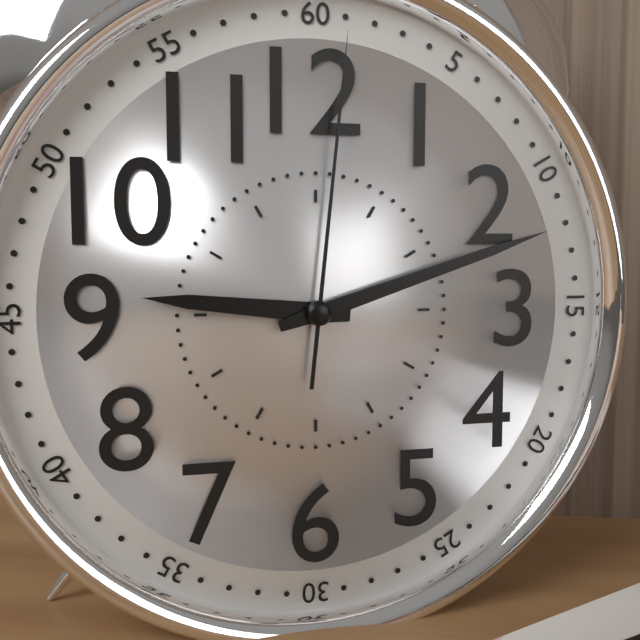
9:12:01
